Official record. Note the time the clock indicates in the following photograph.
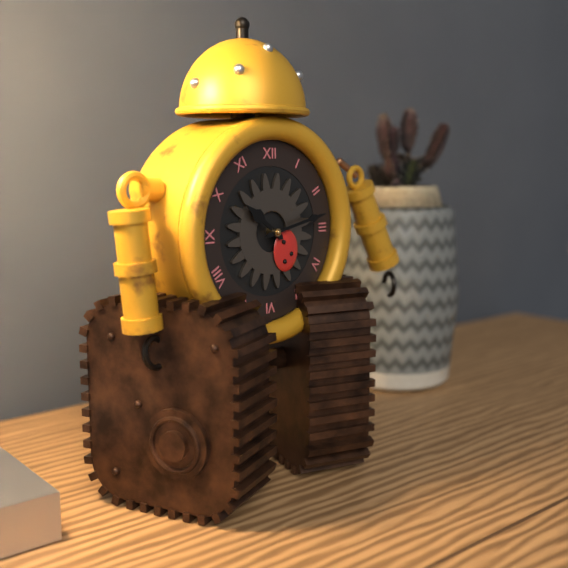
10:13
